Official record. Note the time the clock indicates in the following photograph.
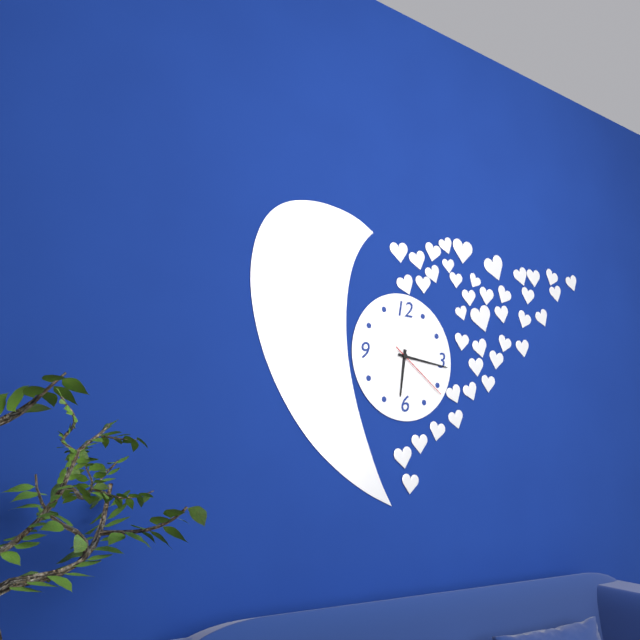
6:16:21
